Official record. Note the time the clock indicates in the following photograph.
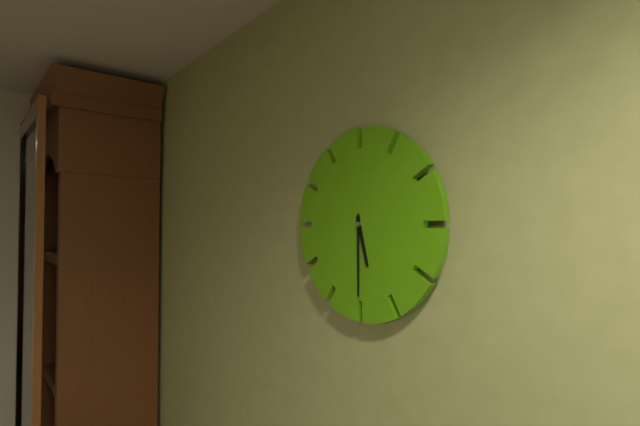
5:30
